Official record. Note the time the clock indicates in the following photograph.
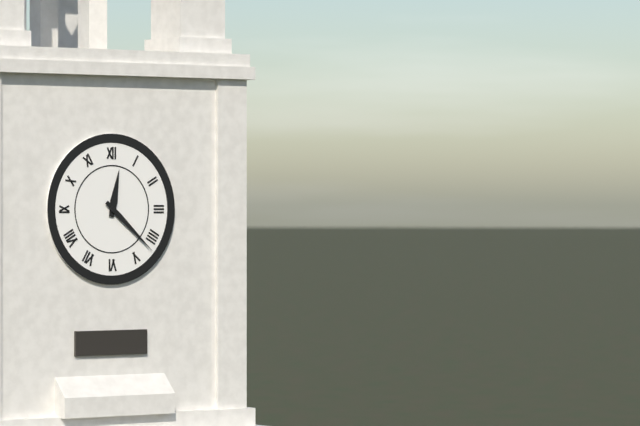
12:22
